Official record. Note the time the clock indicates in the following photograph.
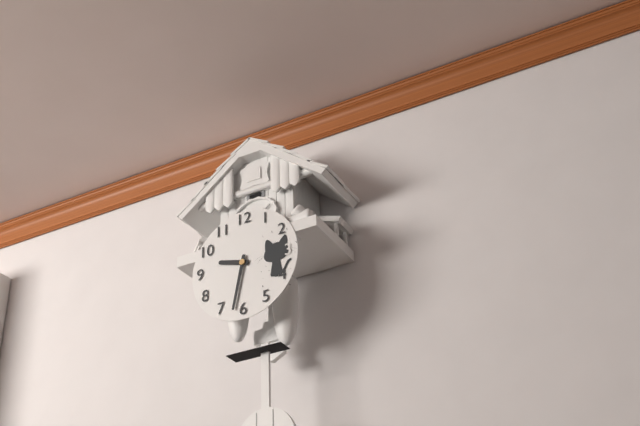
9:32
